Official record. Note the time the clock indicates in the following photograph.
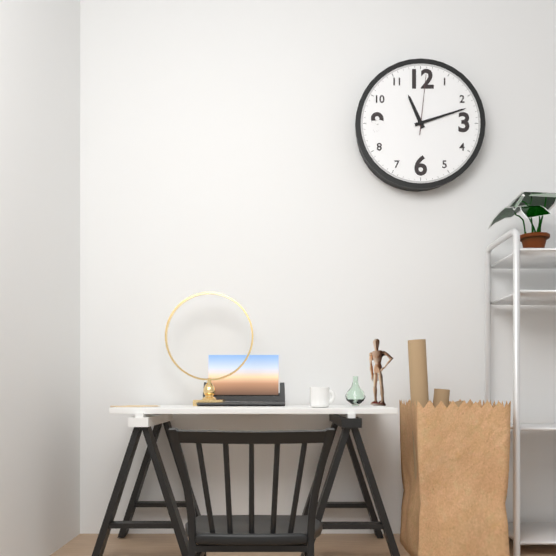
11:12:01
